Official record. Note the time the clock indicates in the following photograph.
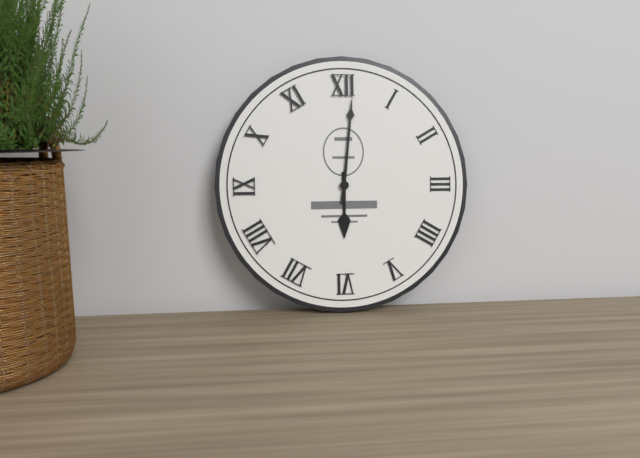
6:01
